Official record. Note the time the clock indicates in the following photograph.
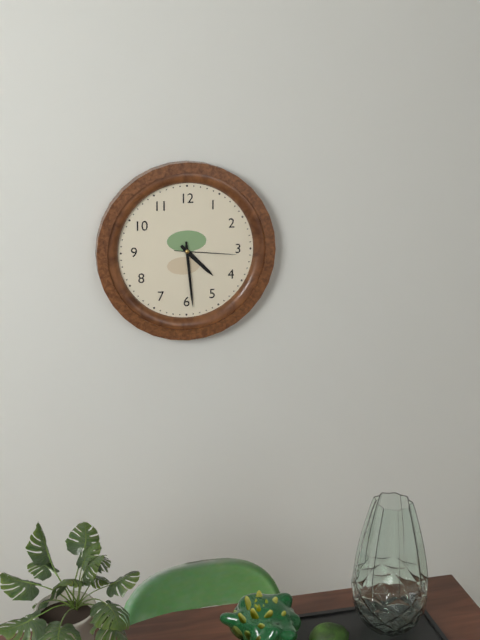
4:29:16
